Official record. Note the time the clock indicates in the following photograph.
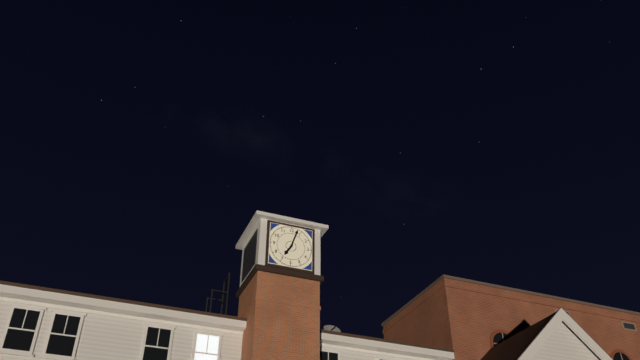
7:03
